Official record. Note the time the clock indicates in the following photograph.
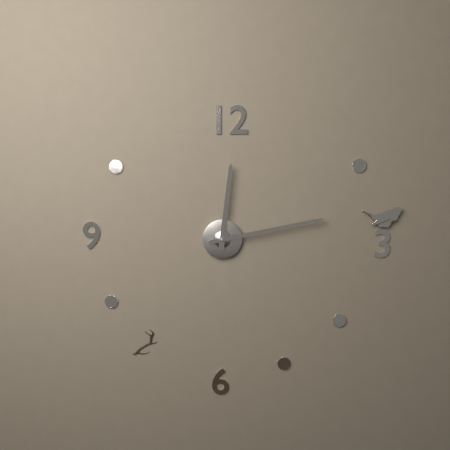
12:13
